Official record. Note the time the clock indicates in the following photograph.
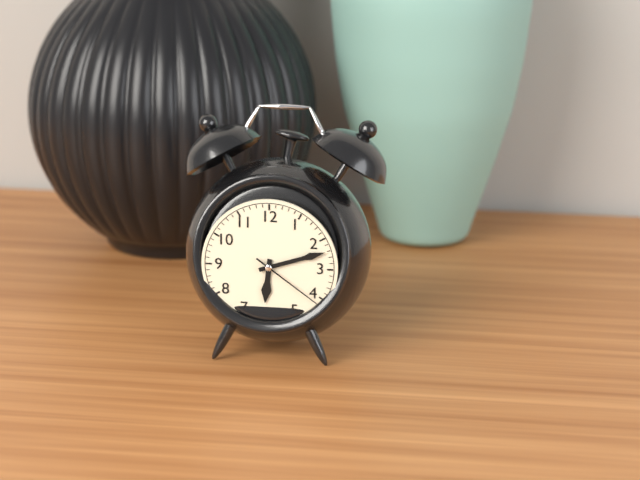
6:12:21
